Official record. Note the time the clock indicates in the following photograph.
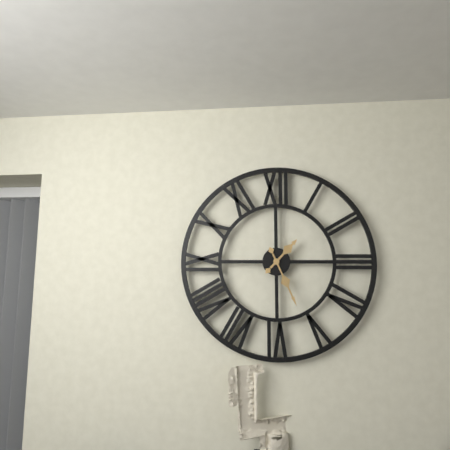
1:26
